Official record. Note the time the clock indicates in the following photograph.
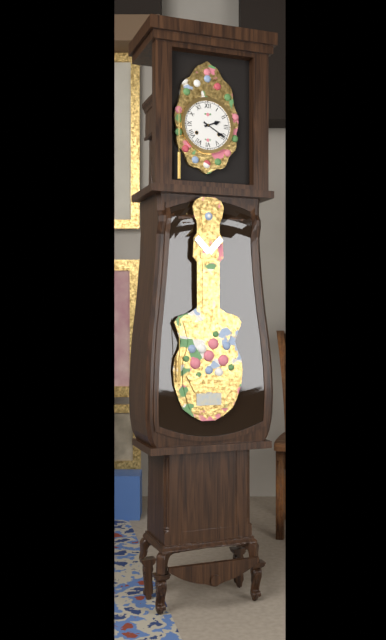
2:20
